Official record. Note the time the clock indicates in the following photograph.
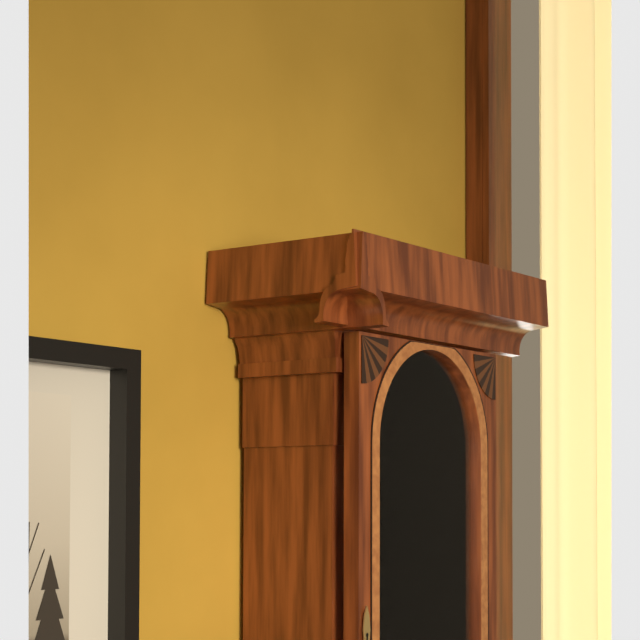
12:44
